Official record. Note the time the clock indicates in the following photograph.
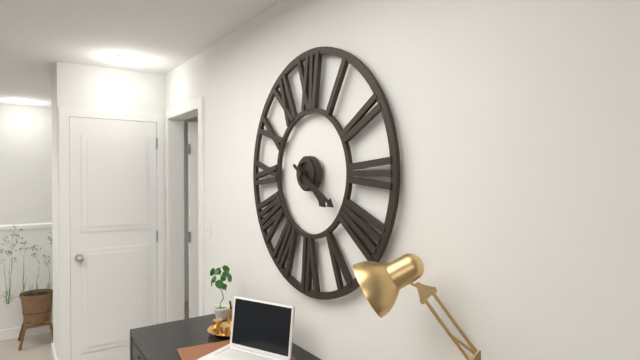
4:20
